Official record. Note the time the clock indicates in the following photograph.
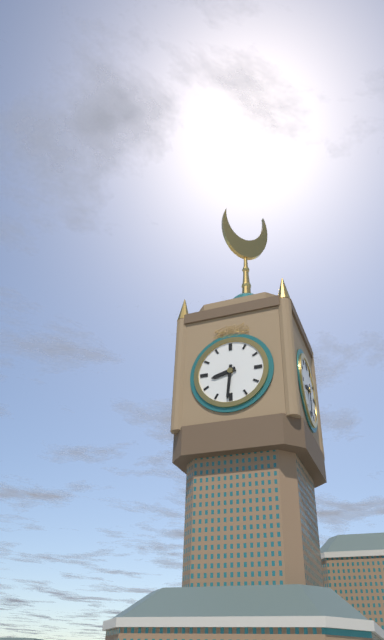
8:31
